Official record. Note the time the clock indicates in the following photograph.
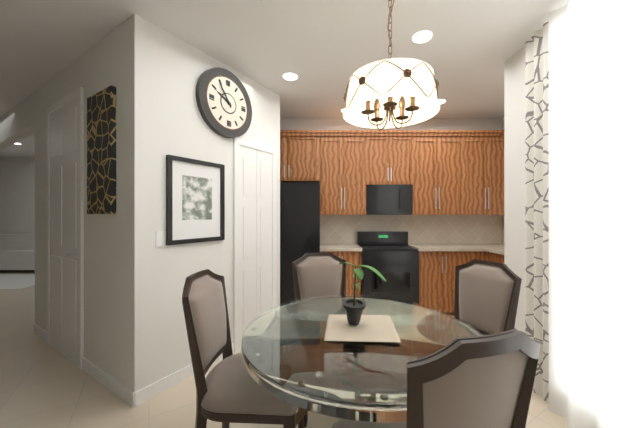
9:54
